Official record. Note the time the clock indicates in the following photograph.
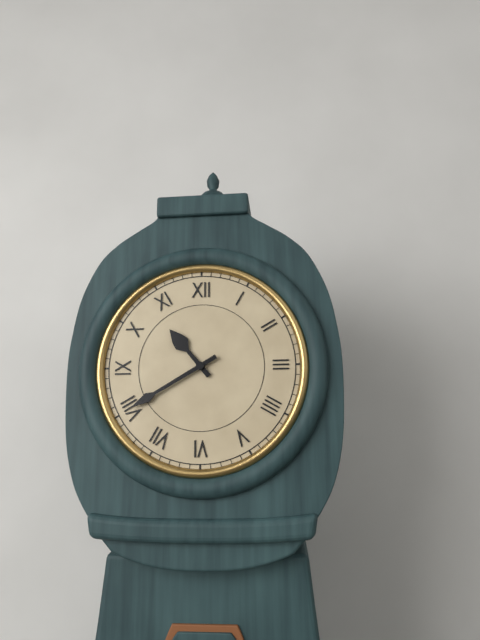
10:40
